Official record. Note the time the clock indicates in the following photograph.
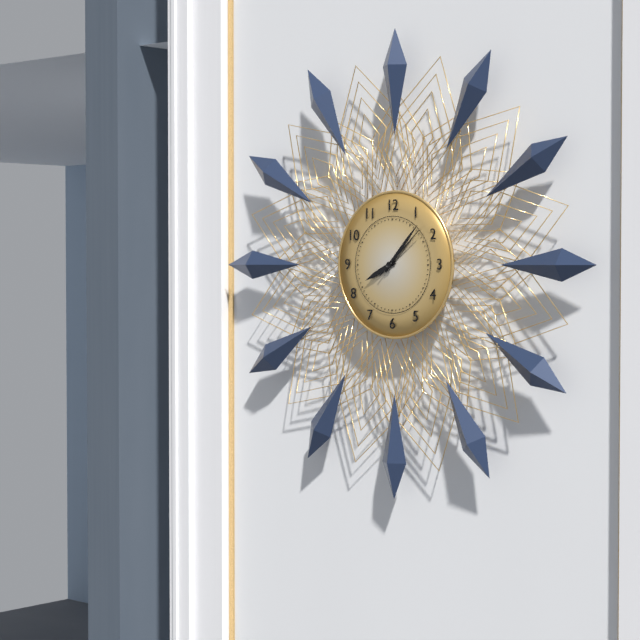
8:07:08
